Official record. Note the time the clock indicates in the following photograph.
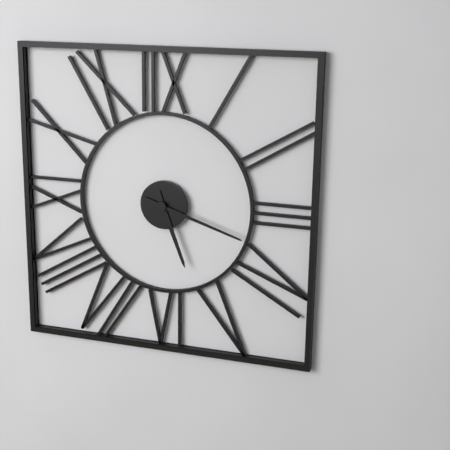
5:18
